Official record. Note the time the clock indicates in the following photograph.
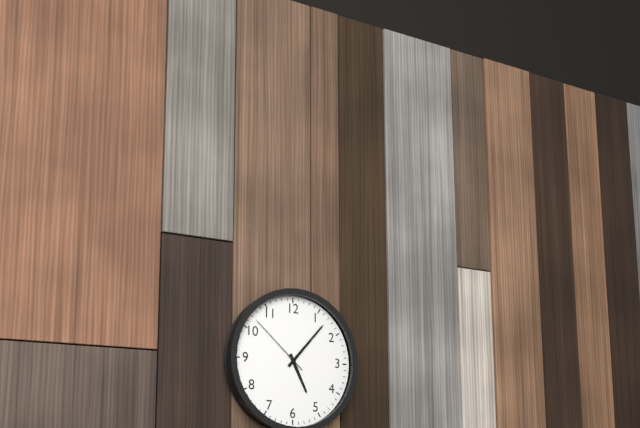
5:07:52
